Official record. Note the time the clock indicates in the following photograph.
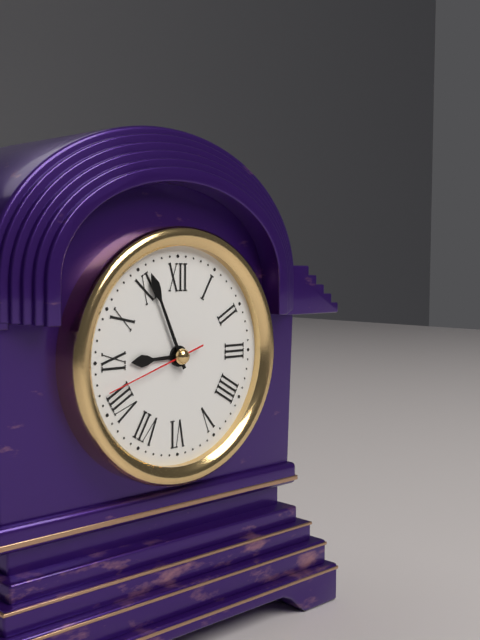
8:56:42
